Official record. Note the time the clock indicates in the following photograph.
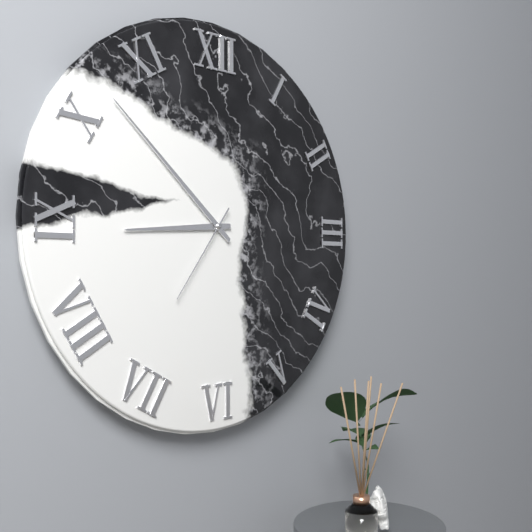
8:52:36
